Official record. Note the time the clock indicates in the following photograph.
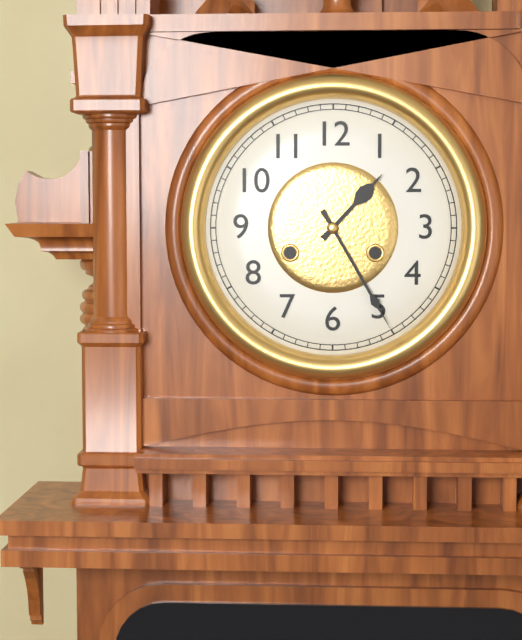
1:25
